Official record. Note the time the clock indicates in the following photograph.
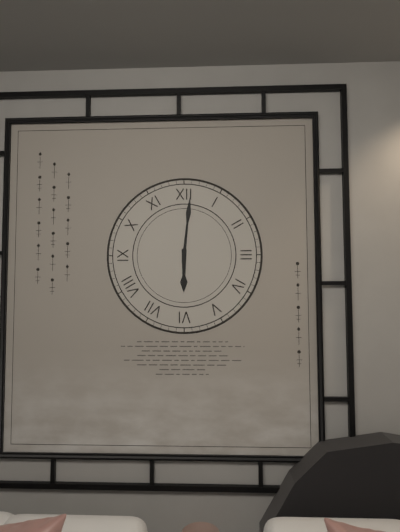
6:01
